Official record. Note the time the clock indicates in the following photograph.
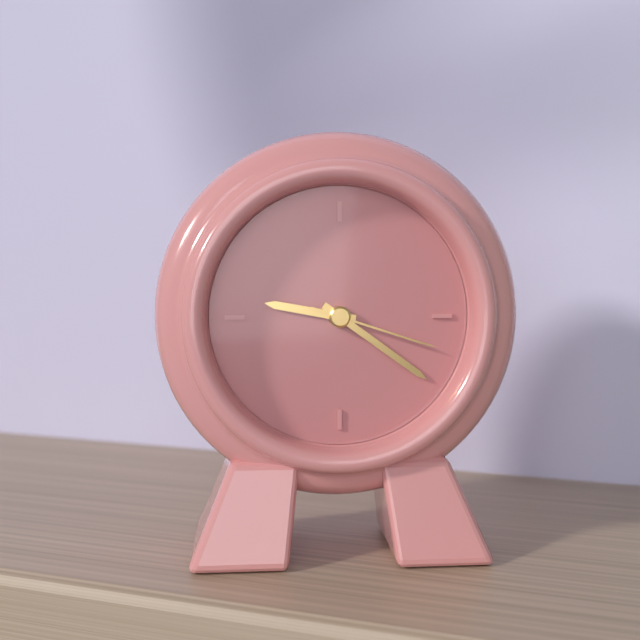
9:21:18
